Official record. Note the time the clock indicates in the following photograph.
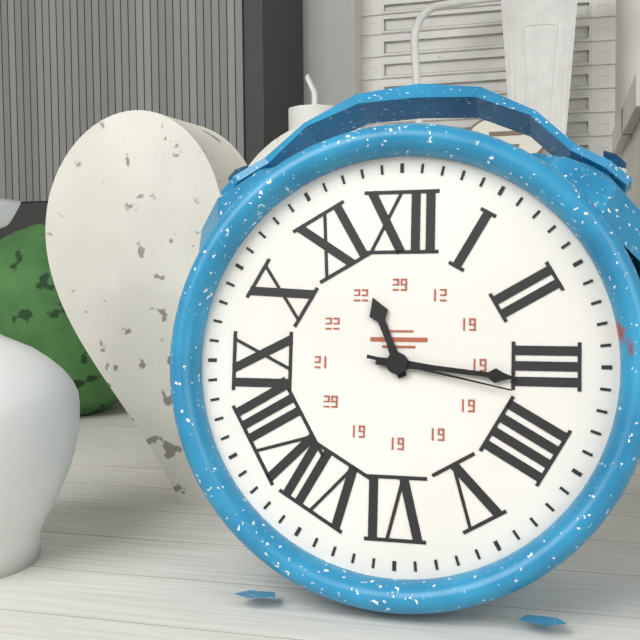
11:16:17
